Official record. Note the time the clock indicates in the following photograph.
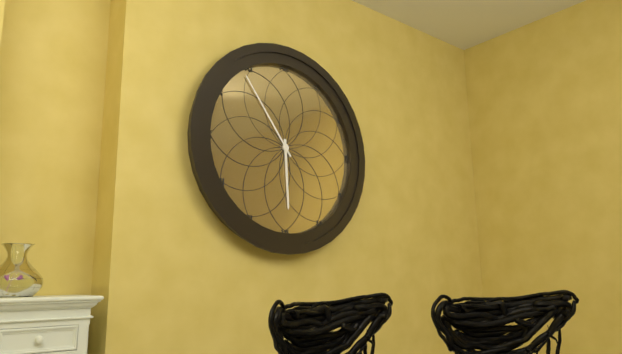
5:54
